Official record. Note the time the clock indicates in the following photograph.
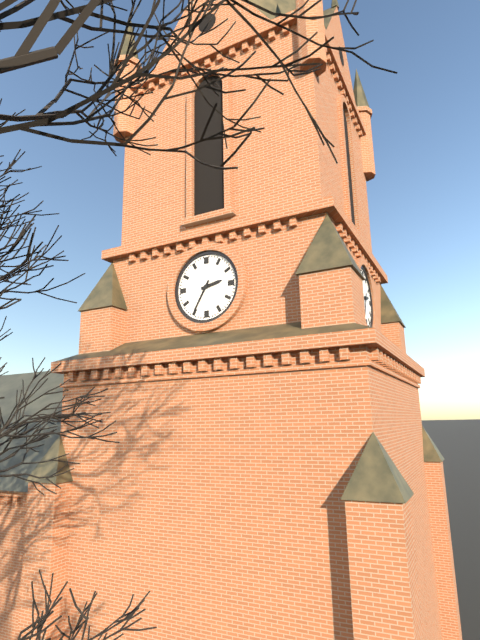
2:35
